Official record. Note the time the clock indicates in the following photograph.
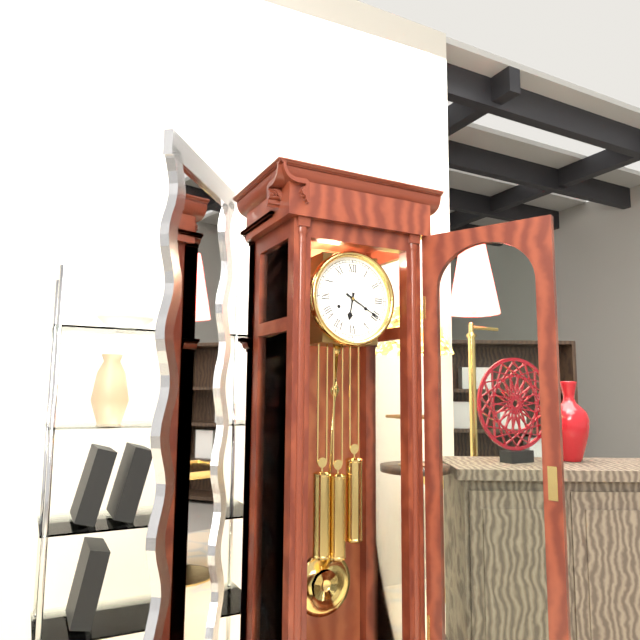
6:20
